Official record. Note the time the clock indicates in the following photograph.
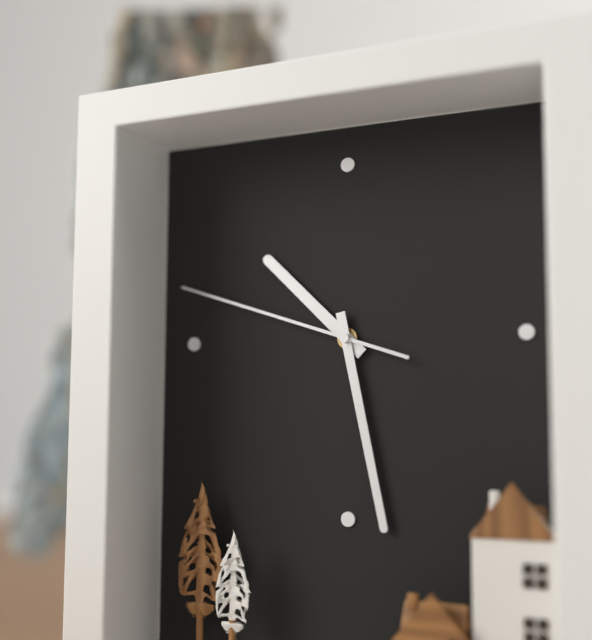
10:28:48
